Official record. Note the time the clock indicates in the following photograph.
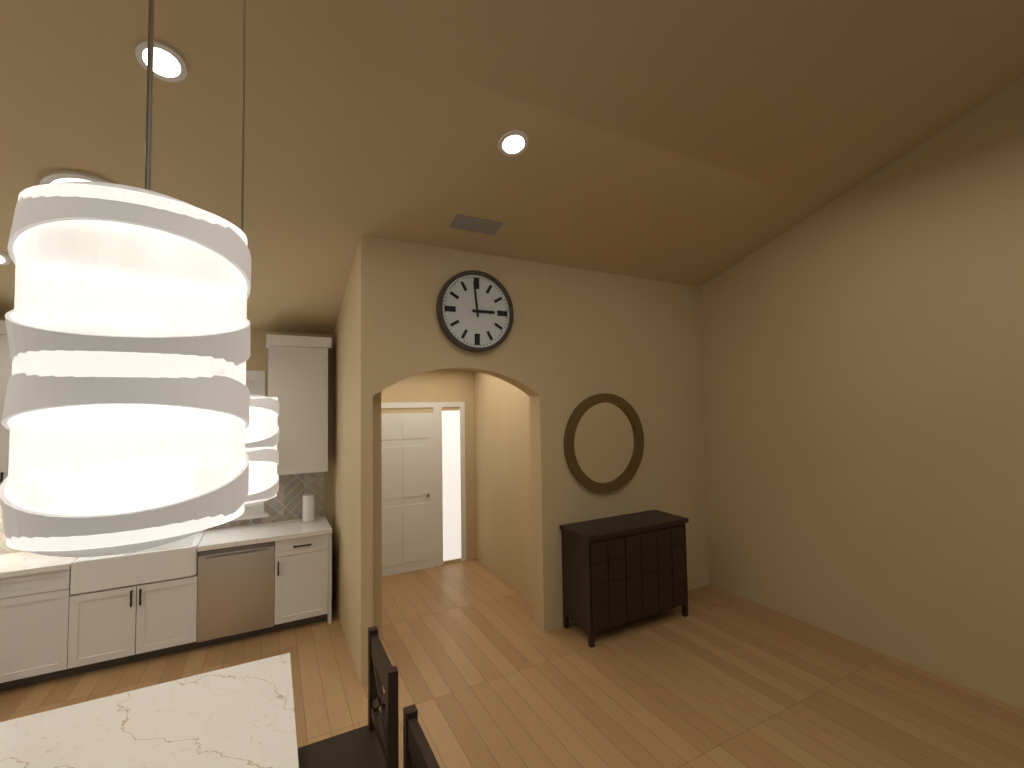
2:59
